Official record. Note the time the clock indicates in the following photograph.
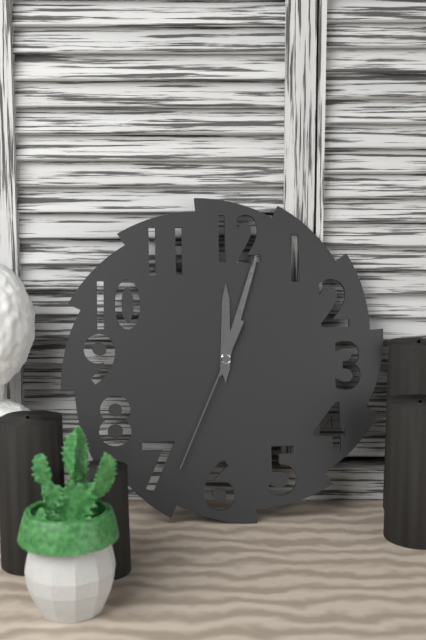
12:03:34
